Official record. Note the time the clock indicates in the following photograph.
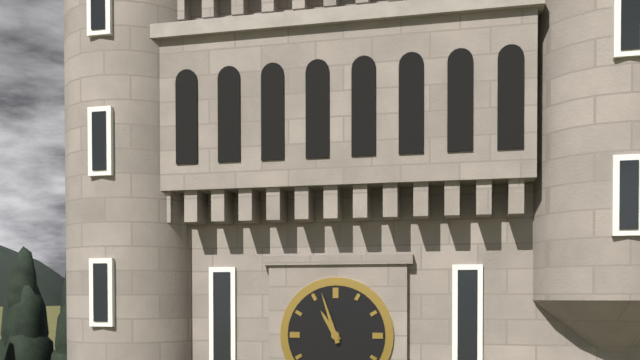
10:57
